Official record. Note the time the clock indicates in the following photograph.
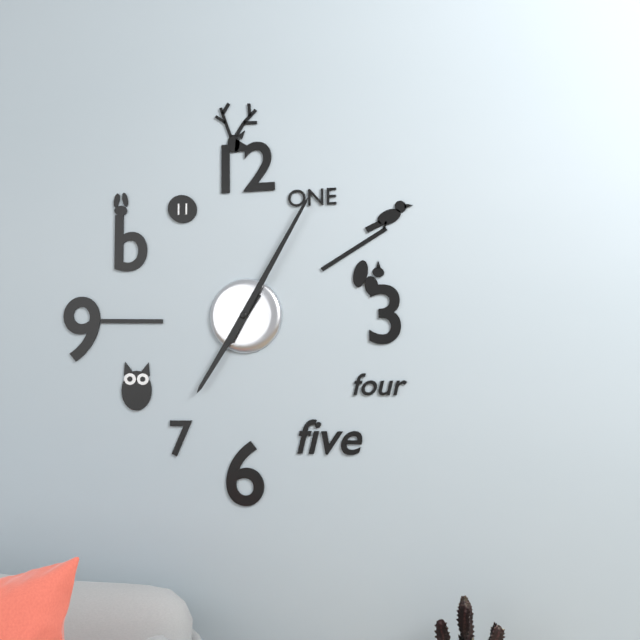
7:05
